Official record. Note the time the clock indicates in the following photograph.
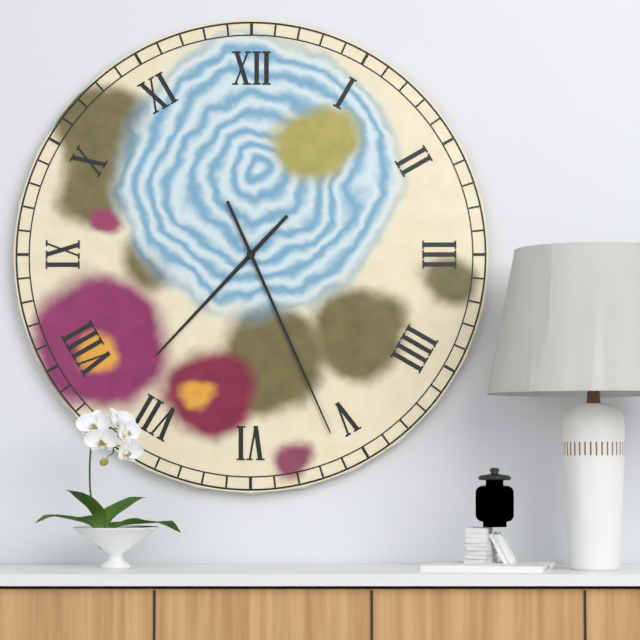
7:26
